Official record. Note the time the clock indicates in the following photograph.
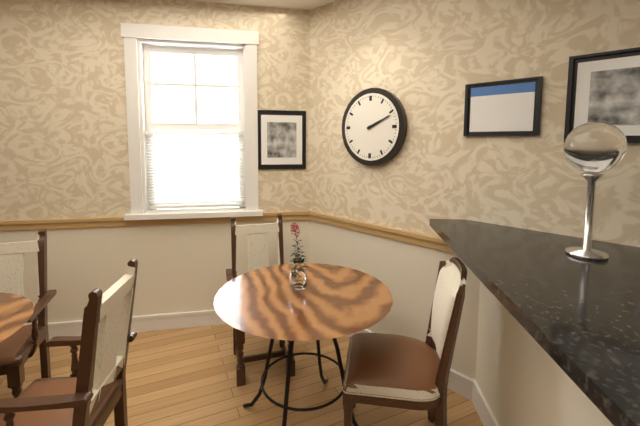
2:11
